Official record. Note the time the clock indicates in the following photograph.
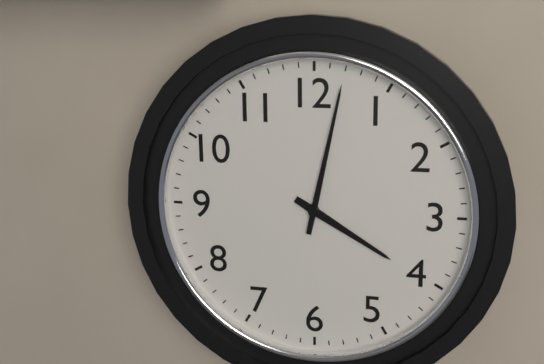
4:02
